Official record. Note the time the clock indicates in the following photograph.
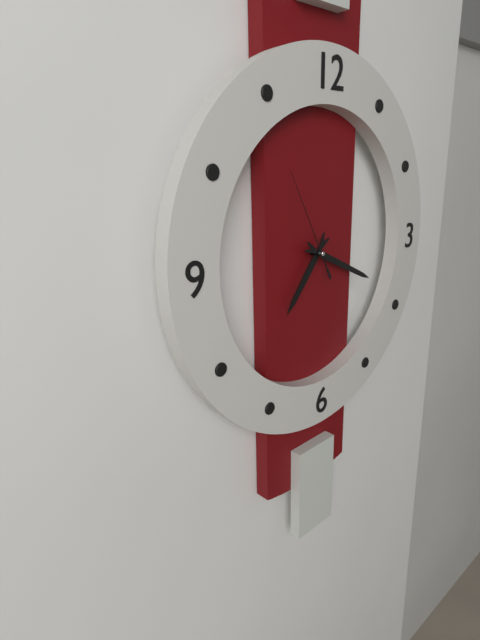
7:19:55
